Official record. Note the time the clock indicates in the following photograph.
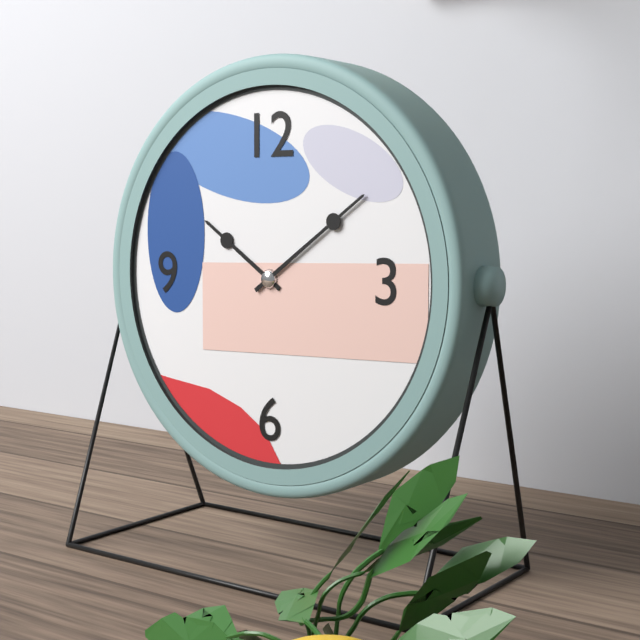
10:09
